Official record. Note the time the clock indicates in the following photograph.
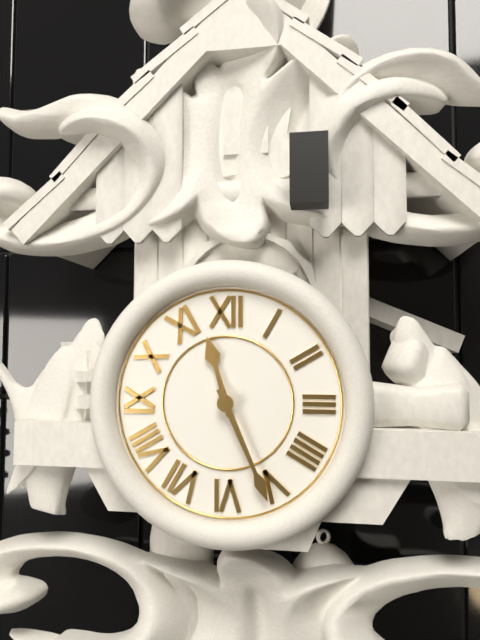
11:26
